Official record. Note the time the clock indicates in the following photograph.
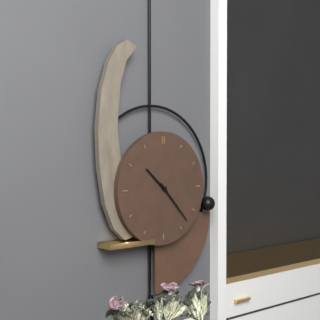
10:23
